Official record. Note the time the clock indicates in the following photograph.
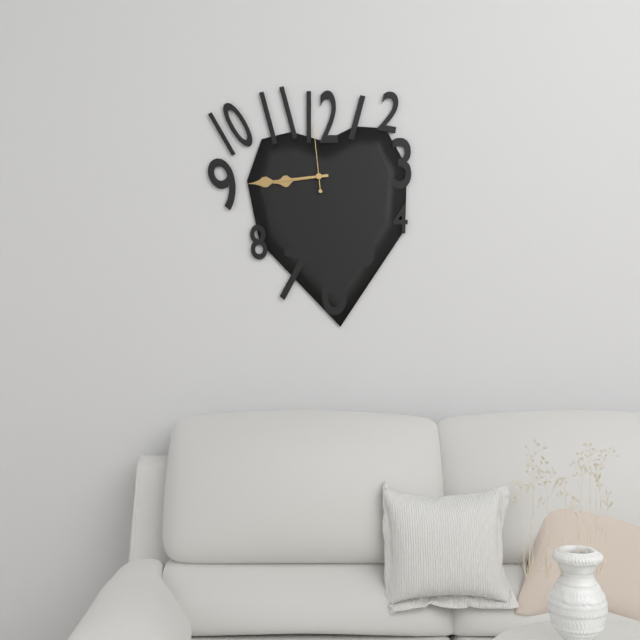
8:44:59
